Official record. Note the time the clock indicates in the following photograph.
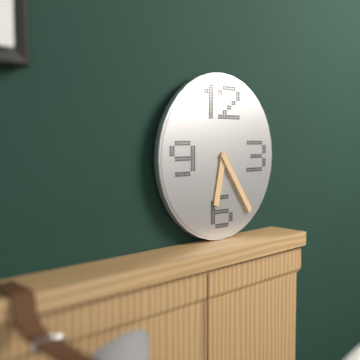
6:24
